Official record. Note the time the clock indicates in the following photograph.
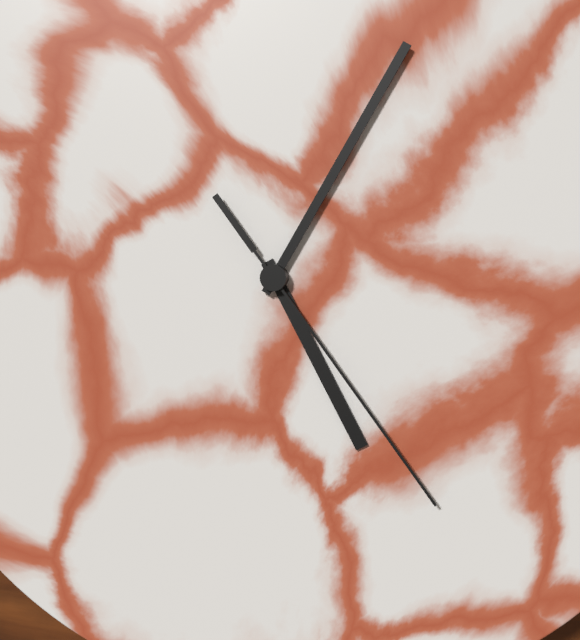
5:05:24
